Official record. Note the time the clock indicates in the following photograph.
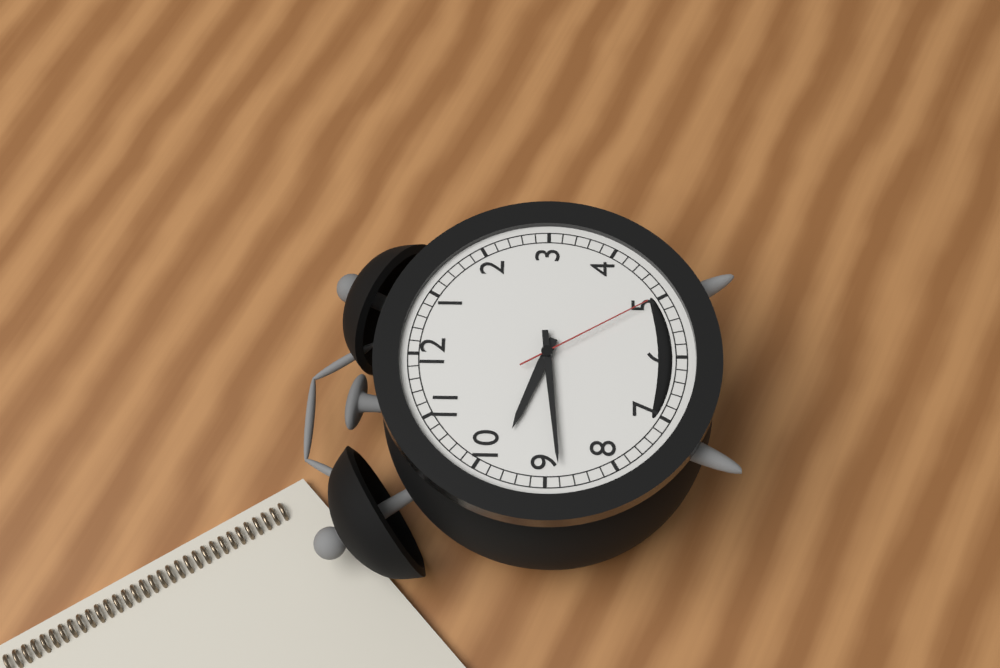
9:44:25
